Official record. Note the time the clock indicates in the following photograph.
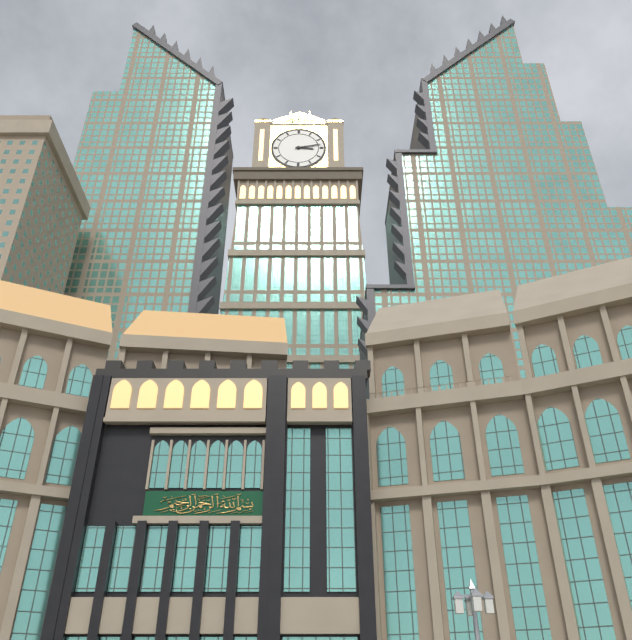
3:13
